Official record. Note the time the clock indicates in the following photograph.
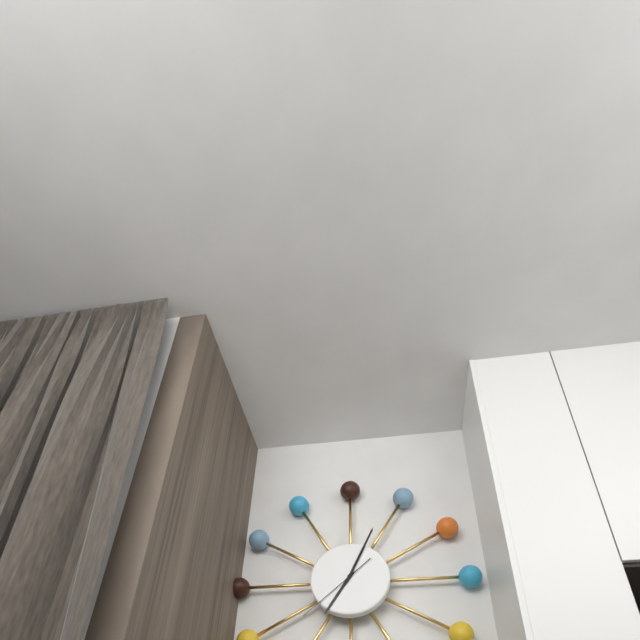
7:04:38
